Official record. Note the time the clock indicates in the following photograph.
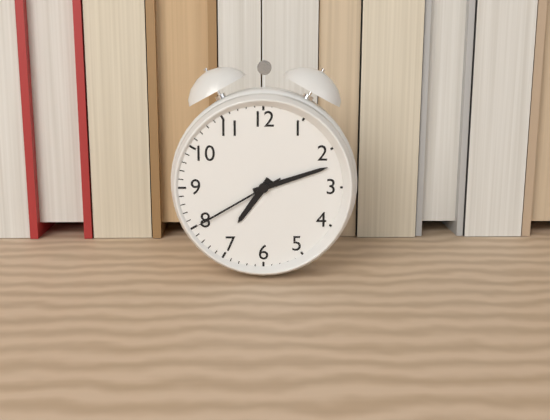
7:12:40
